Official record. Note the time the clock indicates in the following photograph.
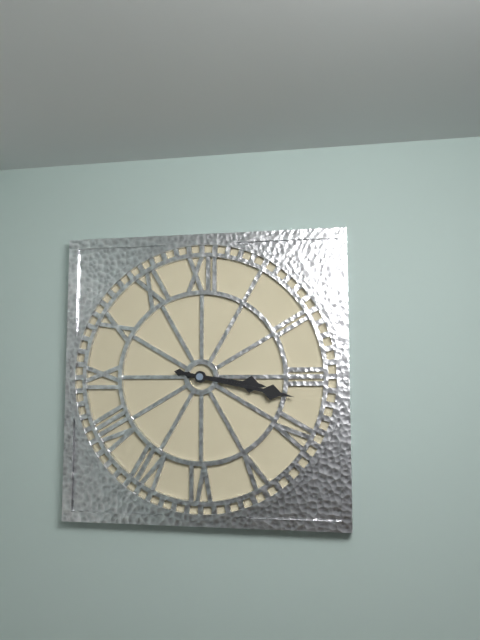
3:17
